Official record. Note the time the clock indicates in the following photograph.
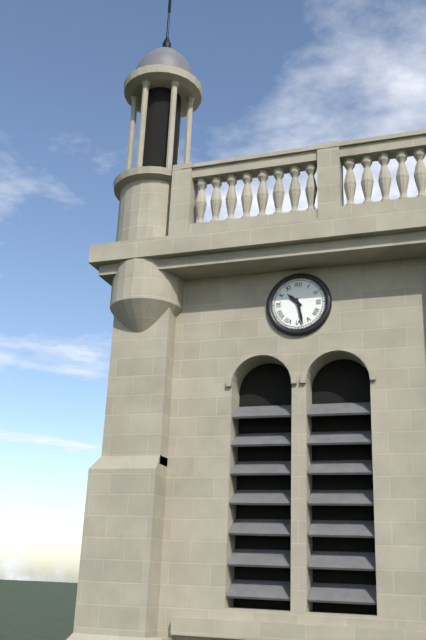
10:28
